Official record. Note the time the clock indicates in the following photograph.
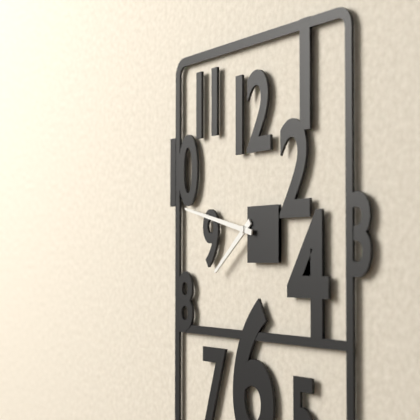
7:47
